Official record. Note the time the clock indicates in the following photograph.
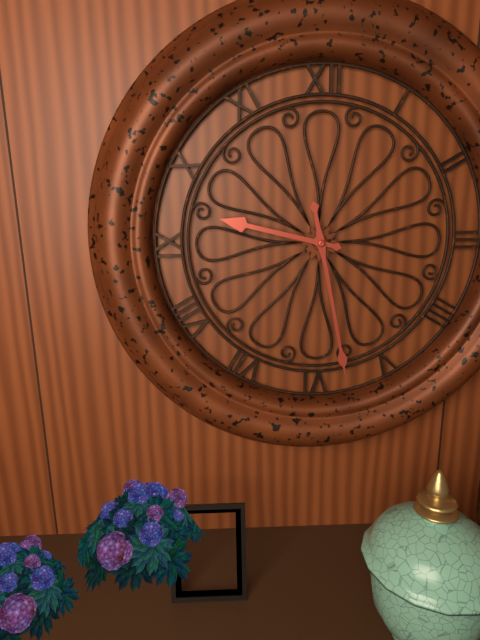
9:28
